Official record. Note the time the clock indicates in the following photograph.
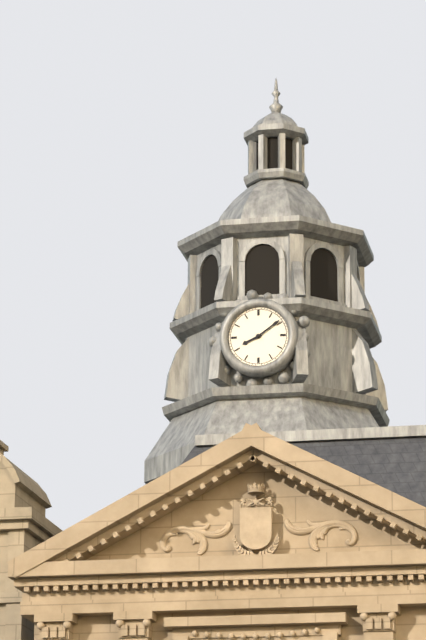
8:09
